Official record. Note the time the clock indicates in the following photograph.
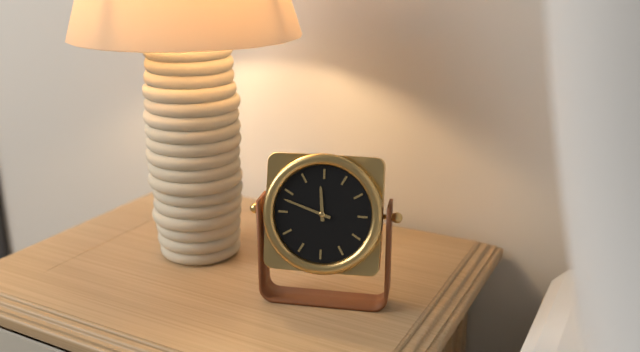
11:48
